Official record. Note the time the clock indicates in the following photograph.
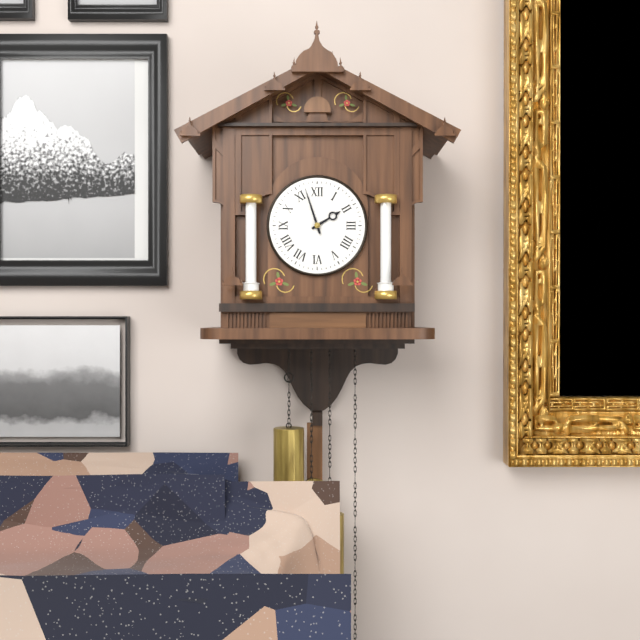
1:57
